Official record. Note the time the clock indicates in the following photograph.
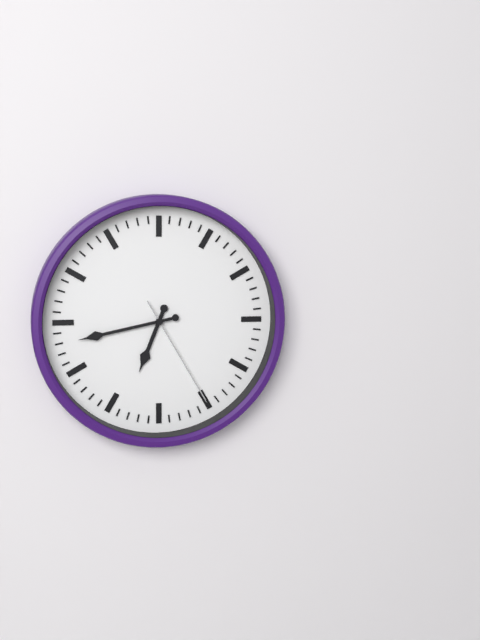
6:43:25
